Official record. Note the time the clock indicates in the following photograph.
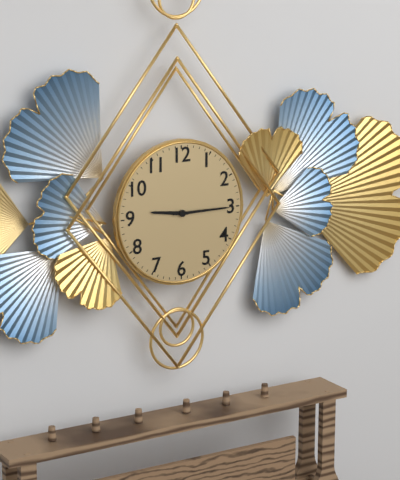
9:15
